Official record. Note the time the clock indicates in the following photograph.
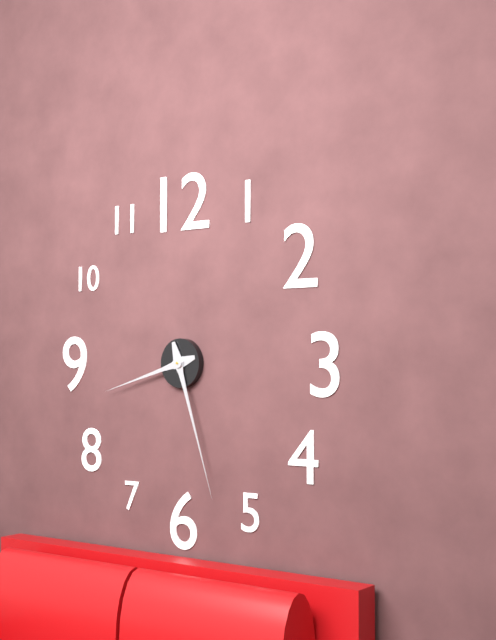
8:27
